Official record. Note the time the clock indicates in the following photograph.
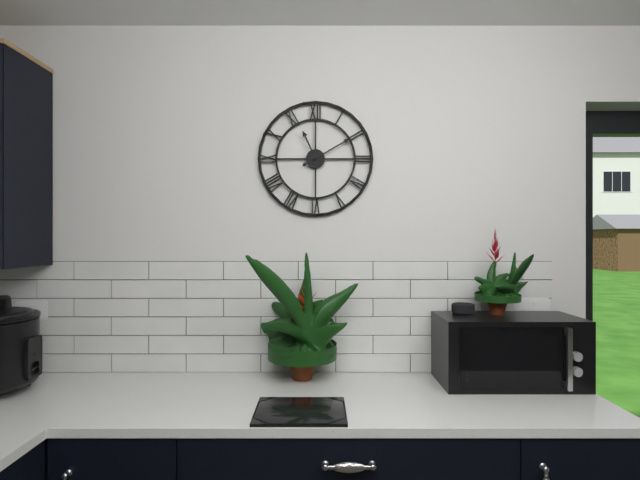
11:10
